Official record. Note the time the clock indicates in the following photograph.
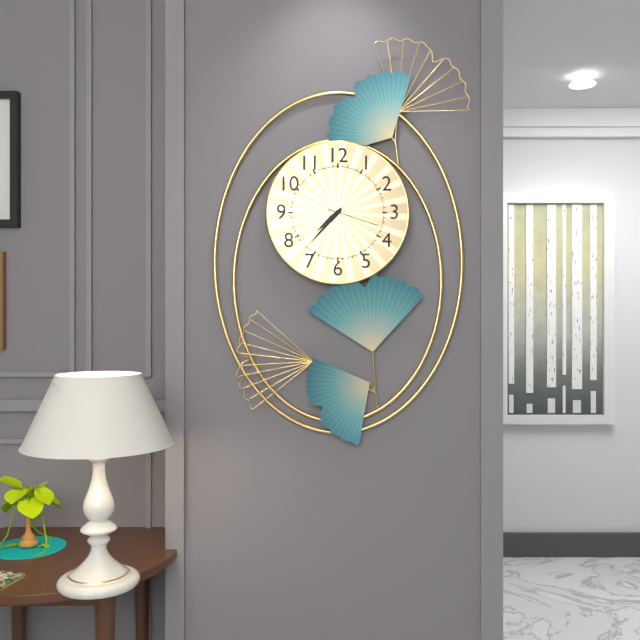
7:37:18
